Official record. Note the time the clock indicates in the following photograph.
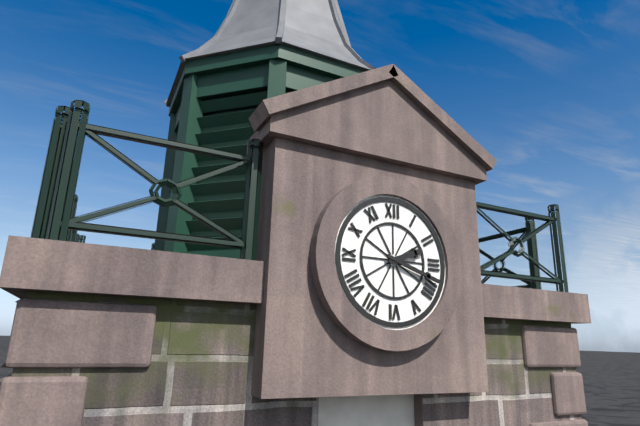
2:18
